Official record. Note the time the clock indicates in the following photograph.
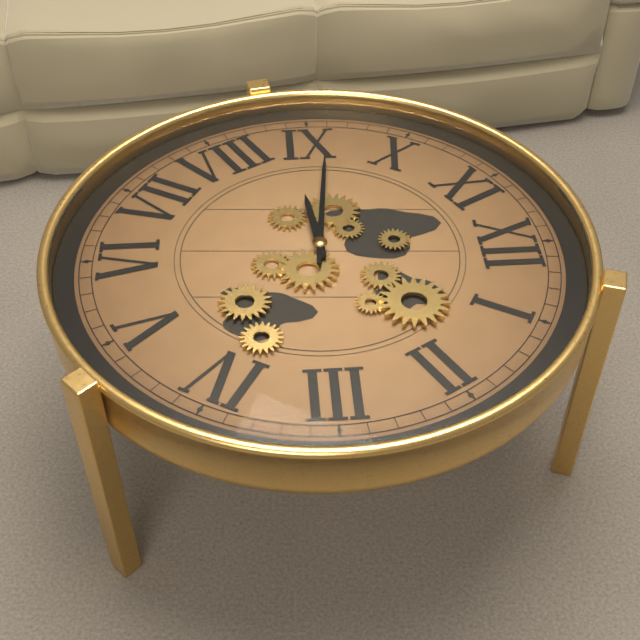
8:46
